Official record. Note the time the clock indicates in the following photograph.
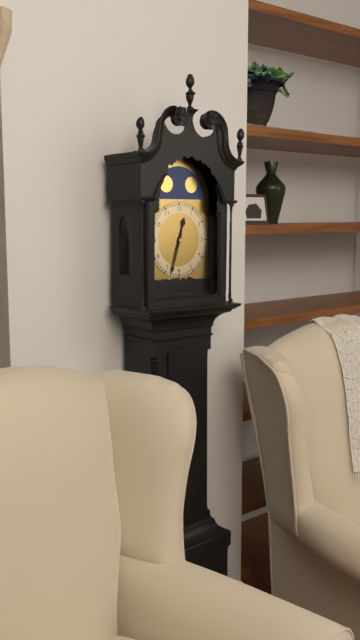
12:33
